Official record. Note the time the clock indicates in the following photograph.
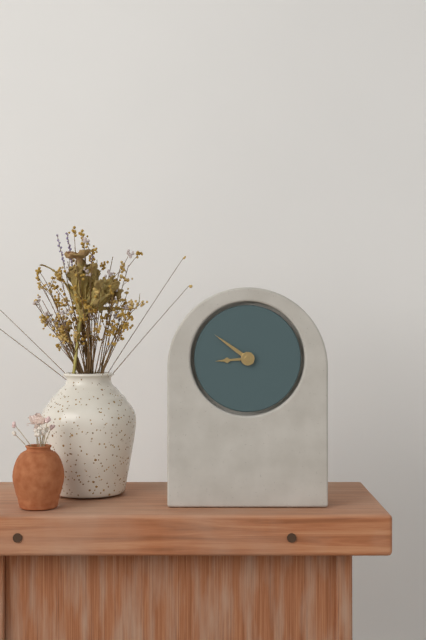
8:51
